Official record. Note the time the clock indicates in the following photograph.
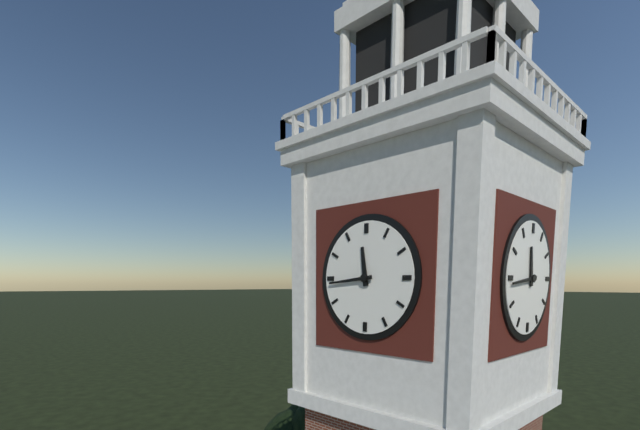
11:44
